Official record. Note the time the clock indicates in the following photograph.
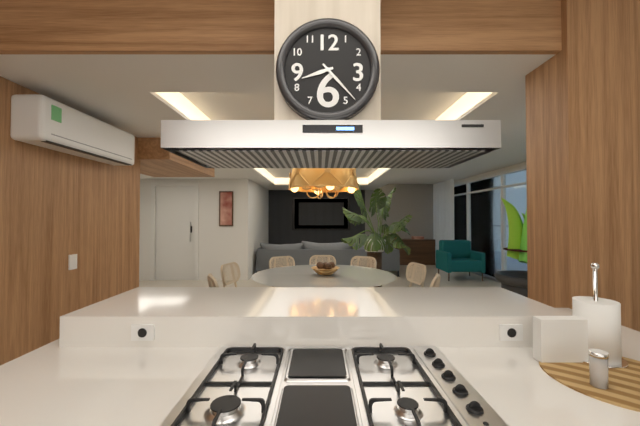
8:23
